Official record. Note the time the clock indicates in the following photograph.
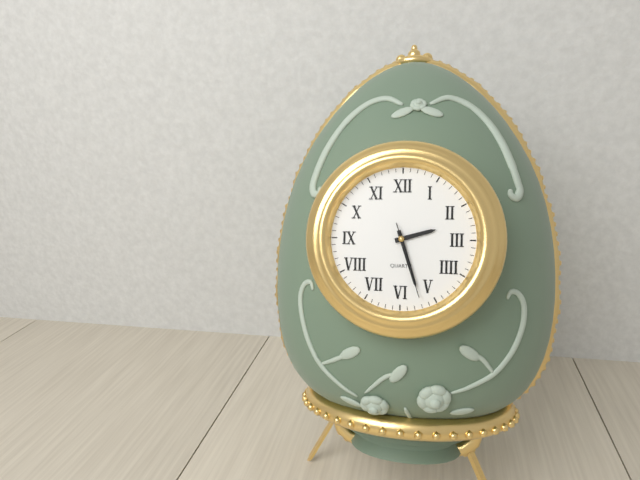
2:27:27
